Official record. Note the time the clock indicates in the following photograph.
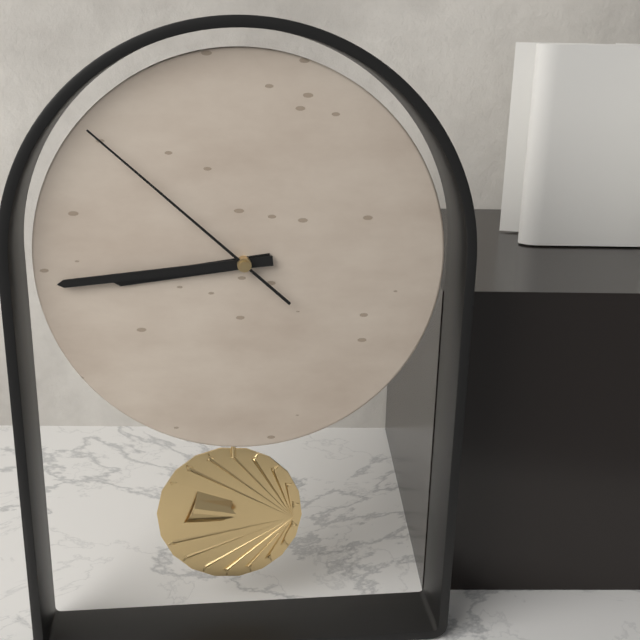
8:44:52
